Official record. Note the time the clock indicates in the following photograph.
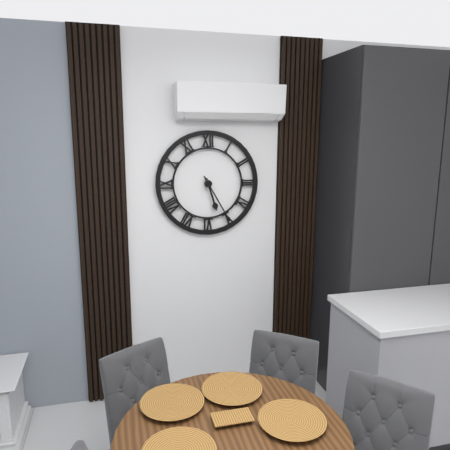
5:25
